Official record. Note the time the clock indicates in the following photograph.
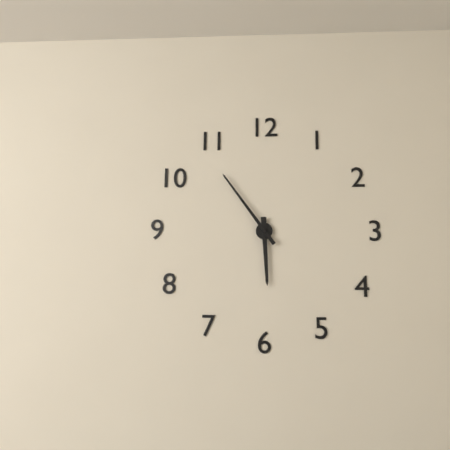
5:54
